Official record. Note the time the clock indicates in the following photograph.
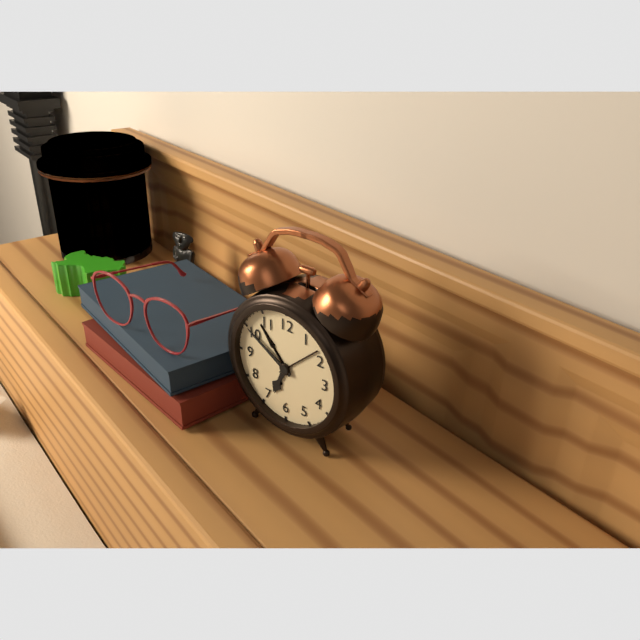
6:50
